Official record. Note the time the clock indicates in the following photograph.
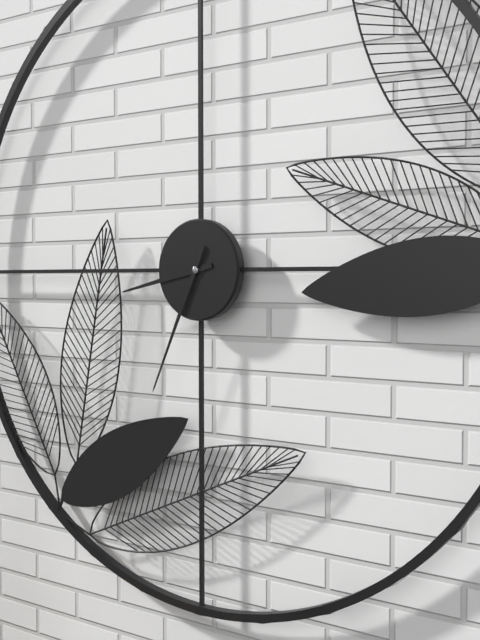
8:34
